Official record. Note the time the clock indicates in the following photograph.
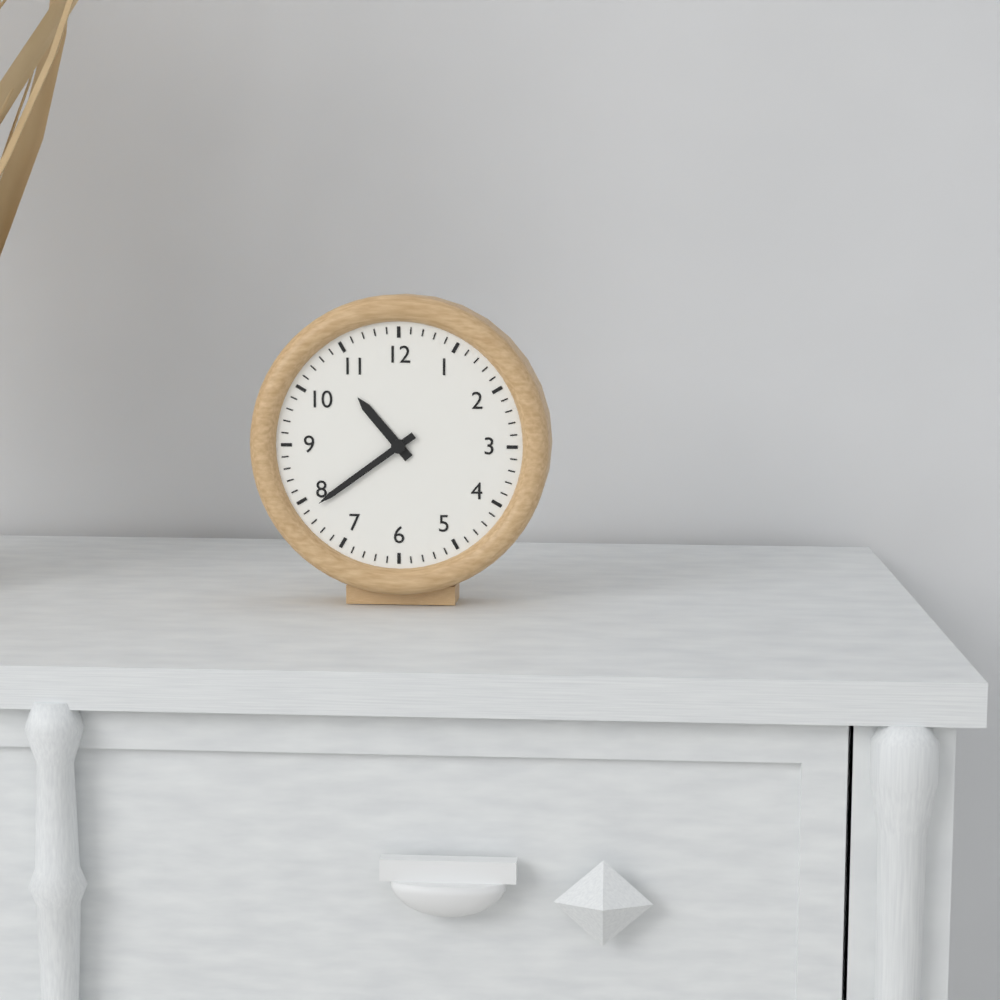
10:39
